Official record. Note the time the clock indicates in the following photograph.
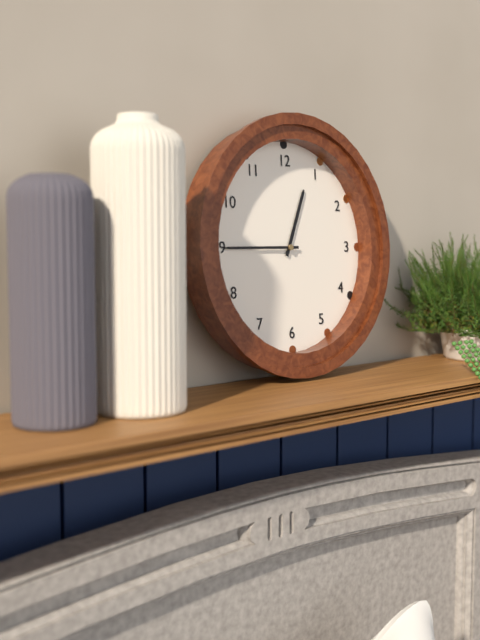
12:45
